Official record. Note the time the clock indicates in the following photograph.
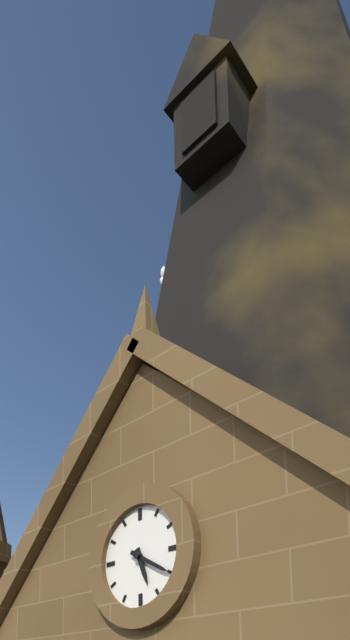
5:20
